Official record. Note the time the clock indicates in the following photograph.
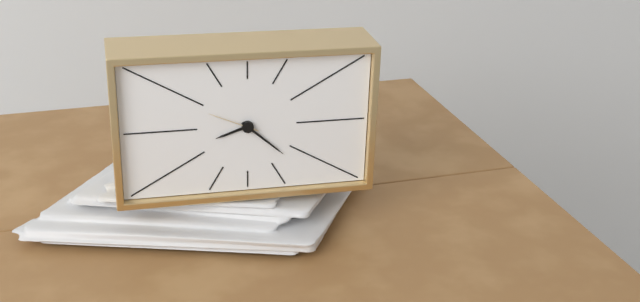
8:22:49
